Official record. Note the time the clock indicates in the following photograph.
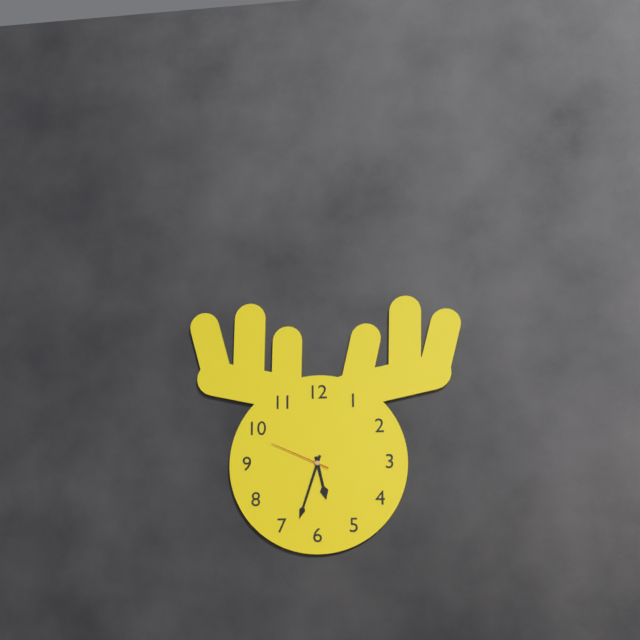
5:33:49
